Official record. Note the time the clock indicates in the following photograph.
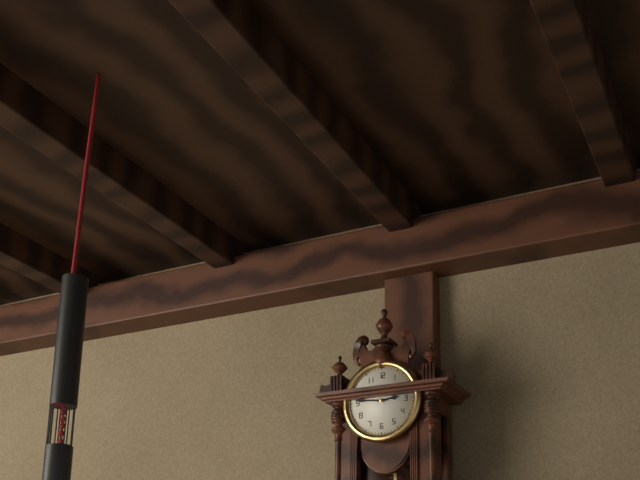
2:46
